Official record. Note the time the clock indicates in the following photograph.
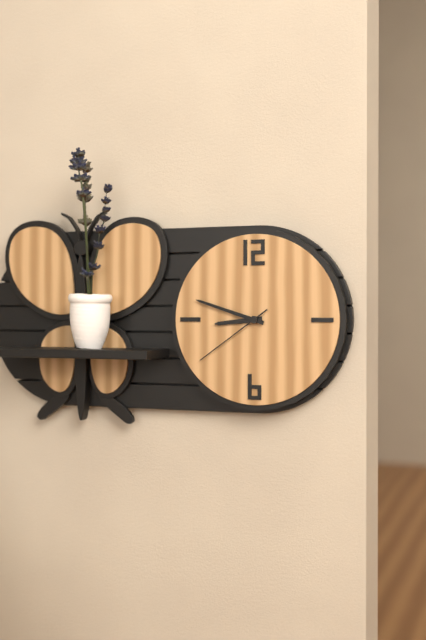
8:48:39
